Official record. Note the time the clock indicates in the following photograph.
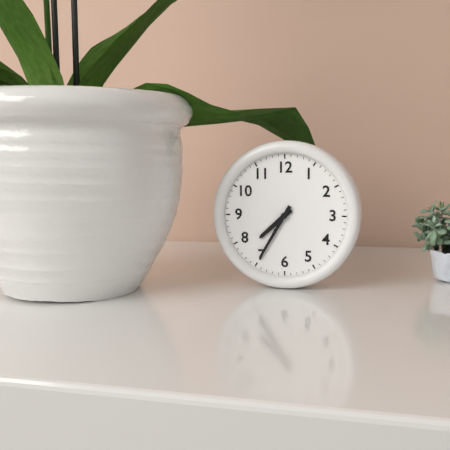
7:35
